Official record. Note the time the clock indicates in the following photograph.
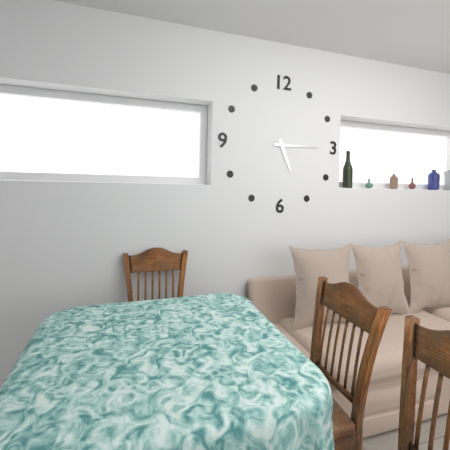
5:15
